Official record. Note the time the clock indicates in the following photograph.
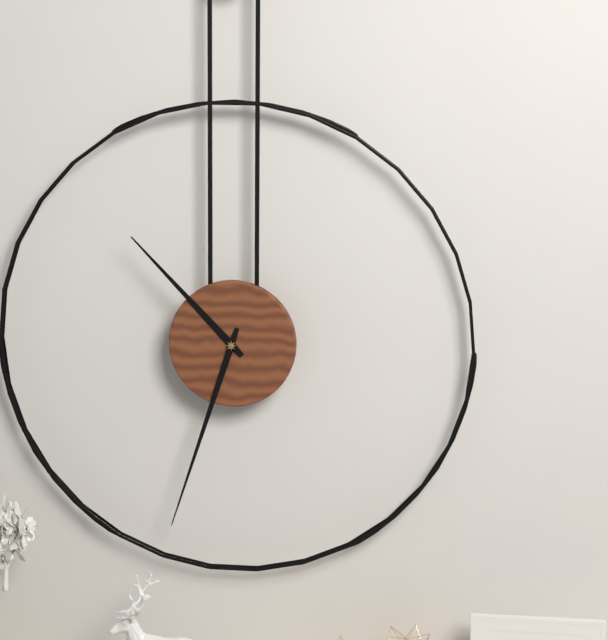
10:33
